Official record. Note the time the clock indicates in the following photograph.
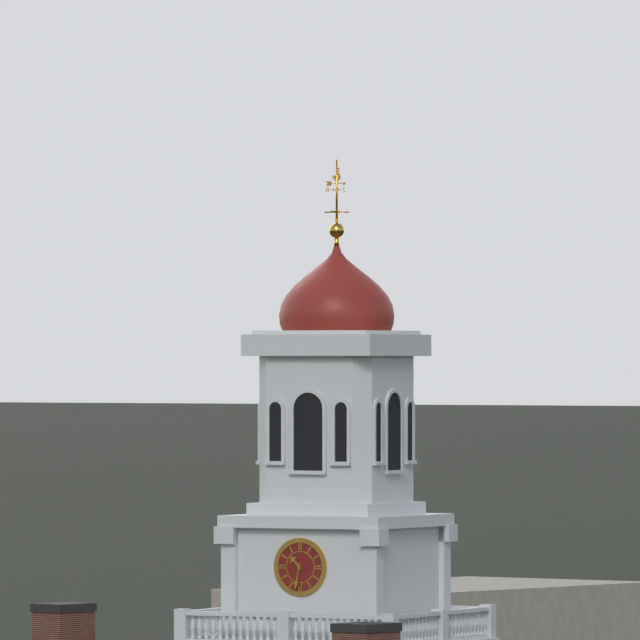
10:32
